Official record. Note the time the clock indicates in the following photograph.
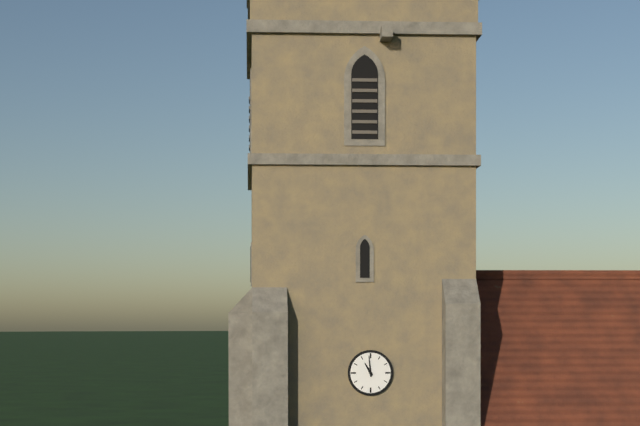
10:59
